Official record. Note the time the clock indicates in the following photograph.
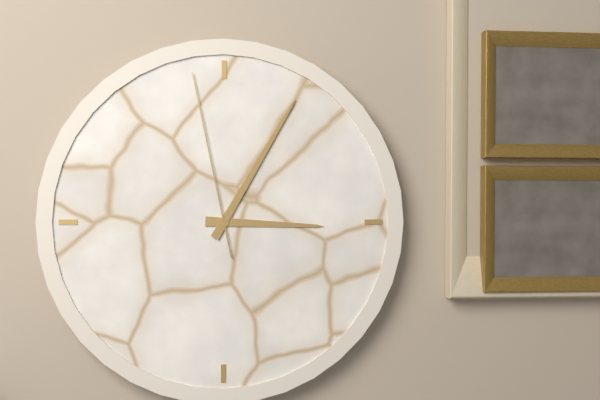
3:05:58
